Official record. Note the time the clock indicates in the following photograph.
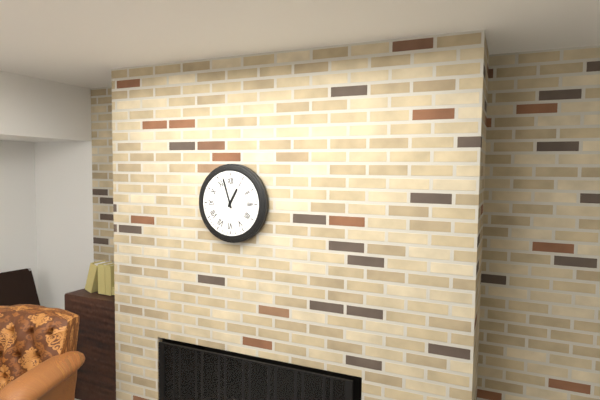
12:57
